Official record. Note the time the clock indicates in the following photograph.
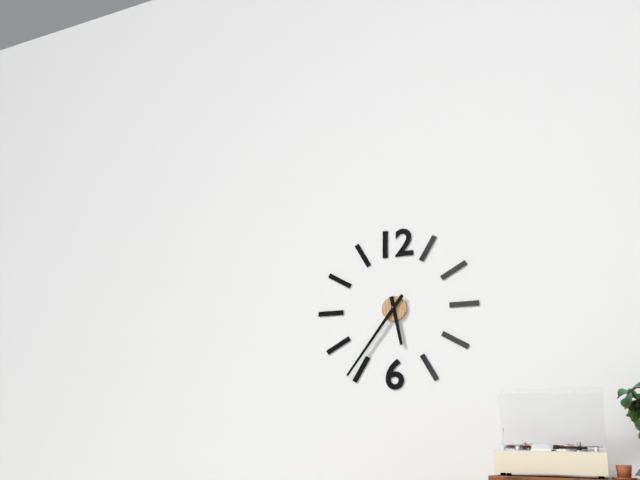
5:36
